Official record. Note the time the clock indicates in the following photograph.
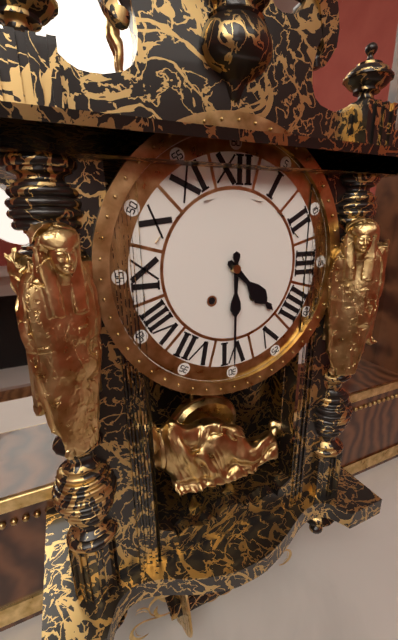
4:30
